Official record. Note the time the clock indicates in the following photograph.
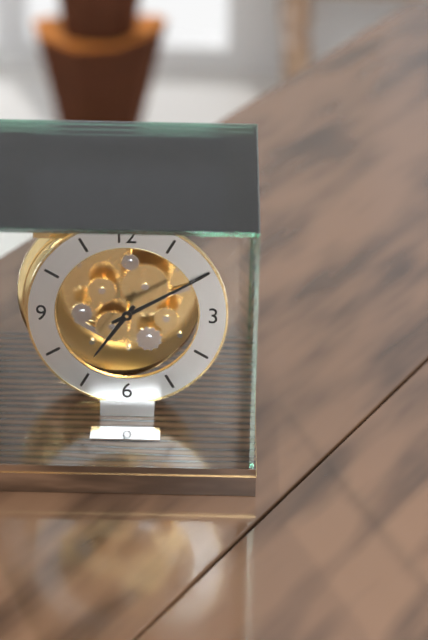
7:10
